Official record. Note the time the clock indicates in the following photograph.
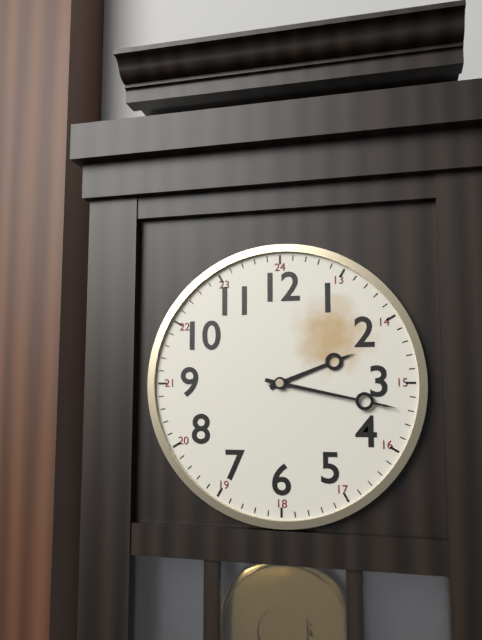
2:17
